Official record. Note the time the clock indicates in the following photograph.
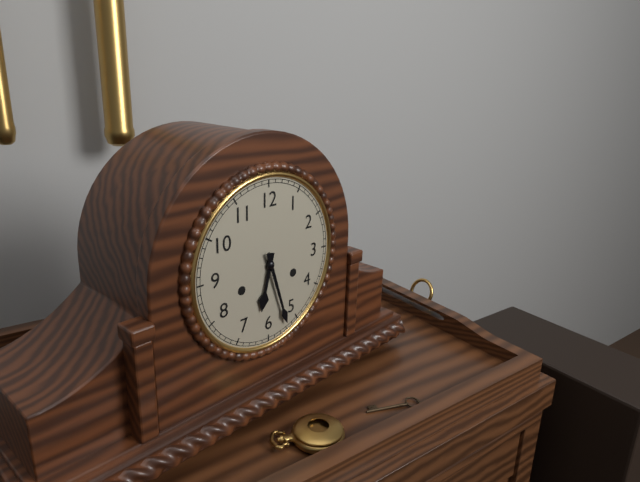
6:27
